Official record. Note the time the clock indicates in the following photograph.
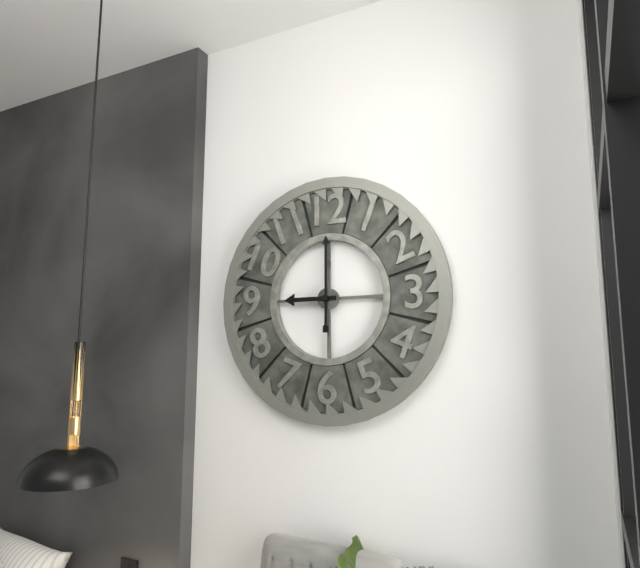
9:00
